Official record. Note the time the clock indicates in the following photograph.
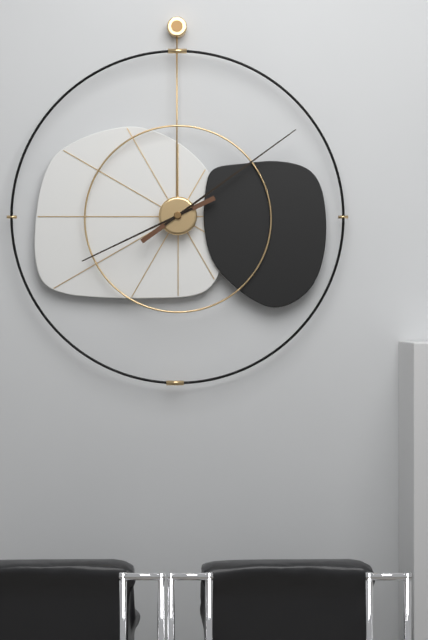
8:09
